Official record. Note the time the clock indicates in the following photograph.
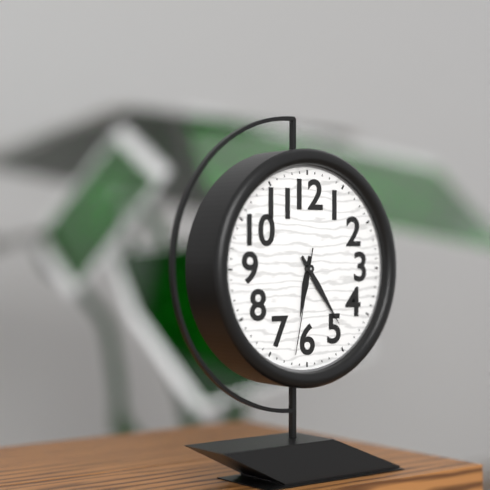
6:24:32
